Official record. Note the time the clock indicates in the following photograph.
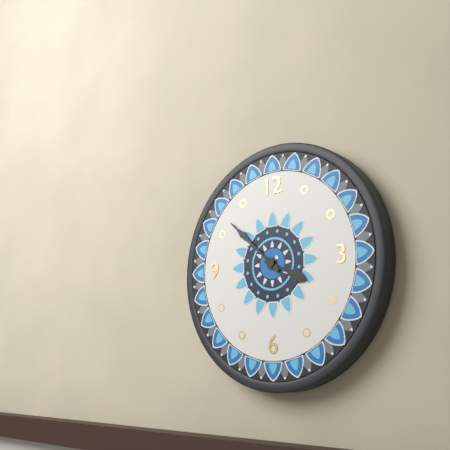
3:52
